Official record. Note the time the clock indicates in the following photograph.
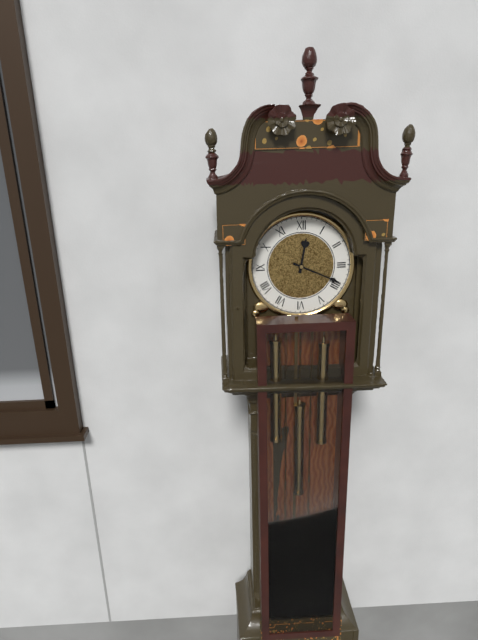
12:19
